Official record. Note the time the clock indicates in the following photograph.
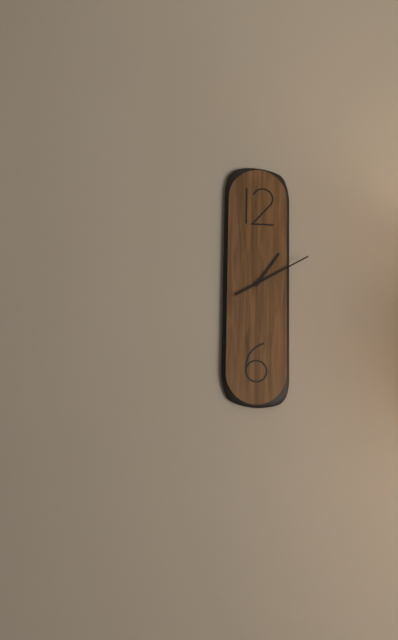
1:10
